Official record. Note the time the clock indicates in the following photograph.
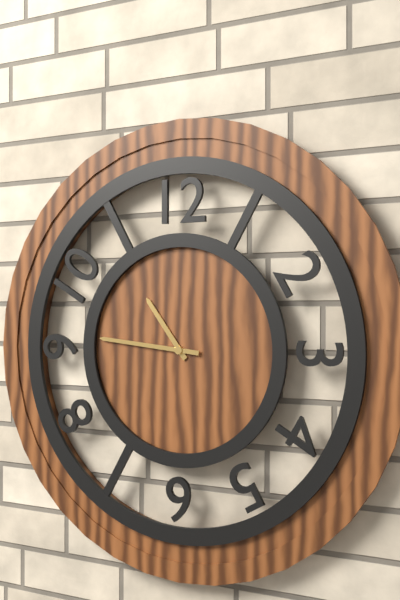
10:46
